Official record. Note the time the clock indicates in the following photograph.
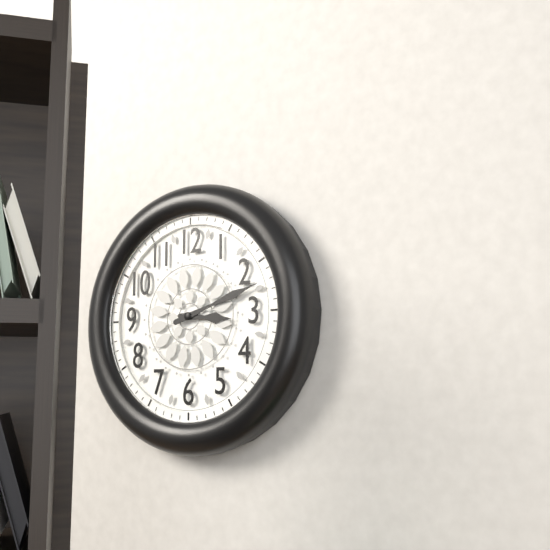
3:12
